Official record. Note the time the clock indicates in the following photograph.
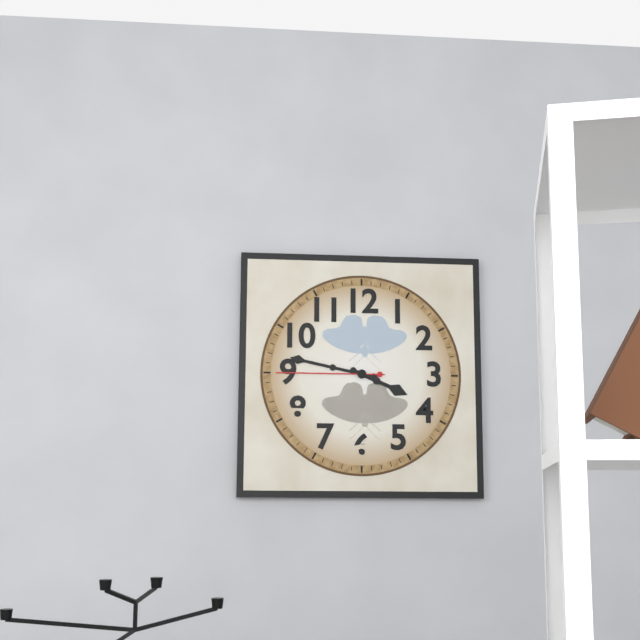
3:47:45
